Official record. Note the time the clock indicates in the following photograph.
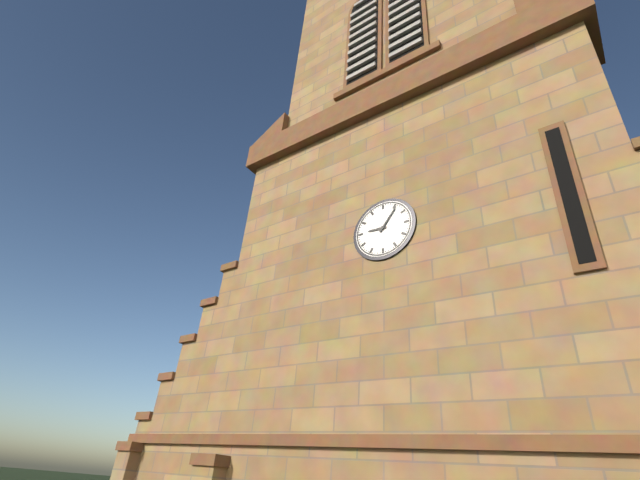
9:06
